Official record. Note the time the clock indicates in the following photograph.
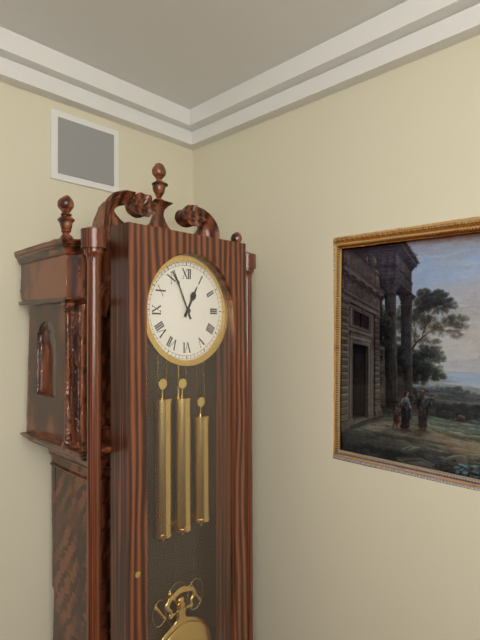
12:56
